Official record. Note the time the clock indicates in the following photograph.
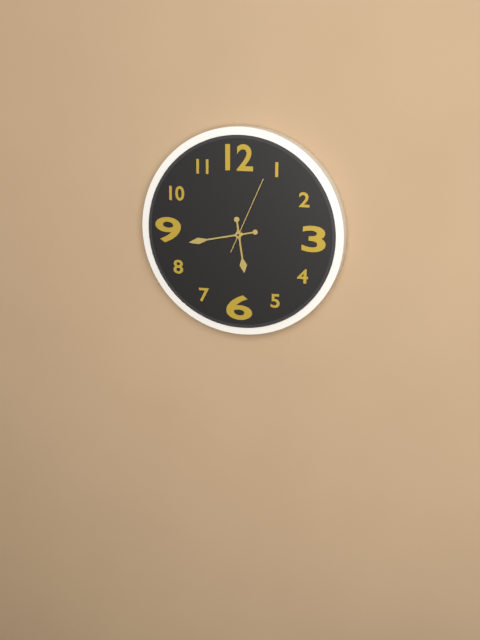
5:43:04
